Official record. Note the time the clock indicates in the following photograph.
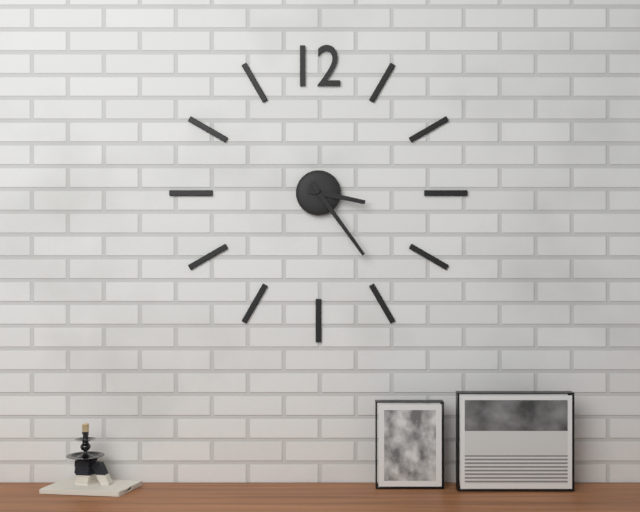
3:24
